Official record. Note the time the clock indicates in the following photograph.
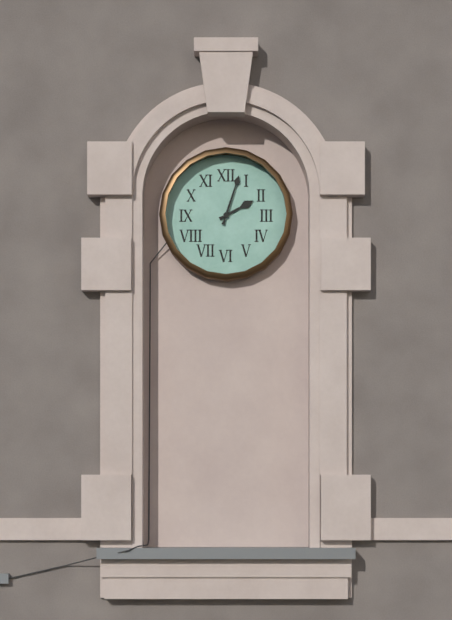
2:03
